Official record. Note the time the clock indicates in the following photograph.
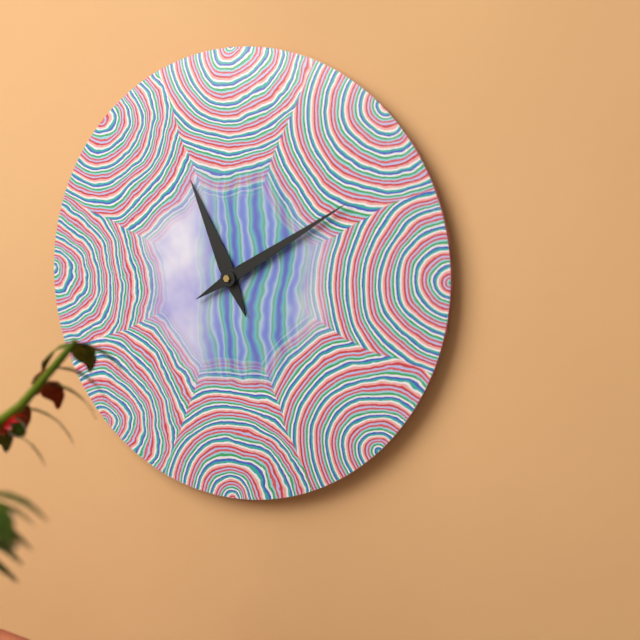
11:10
